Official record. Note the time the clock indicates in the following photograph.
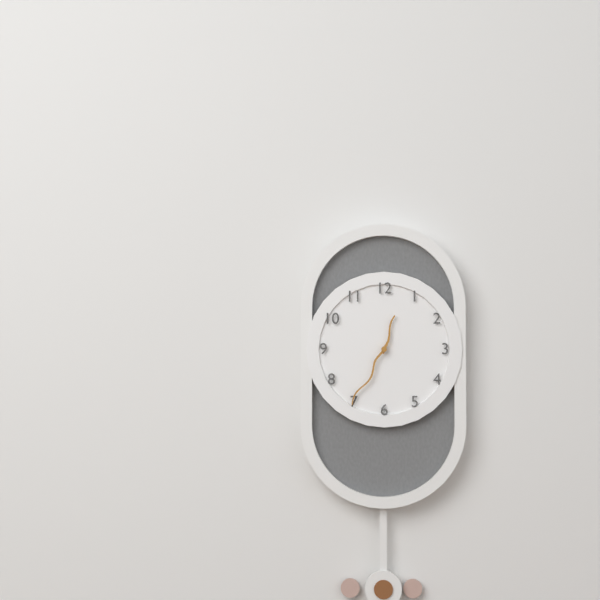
12:35
